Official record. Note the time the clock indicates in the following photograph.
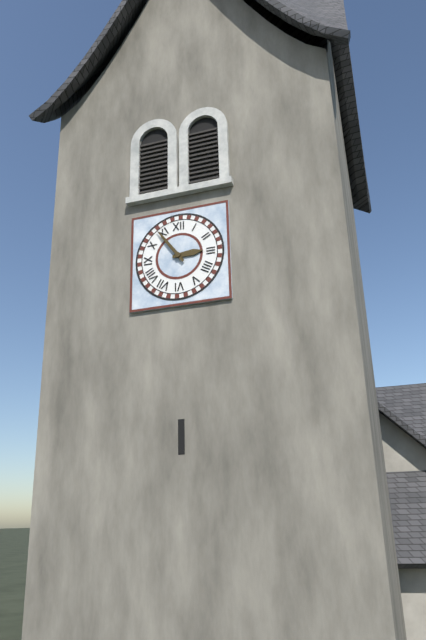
2:54
